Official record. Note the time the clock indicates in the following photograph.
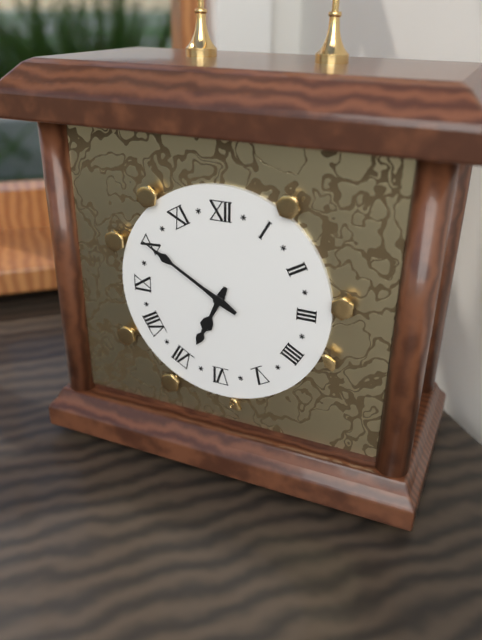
6:50
